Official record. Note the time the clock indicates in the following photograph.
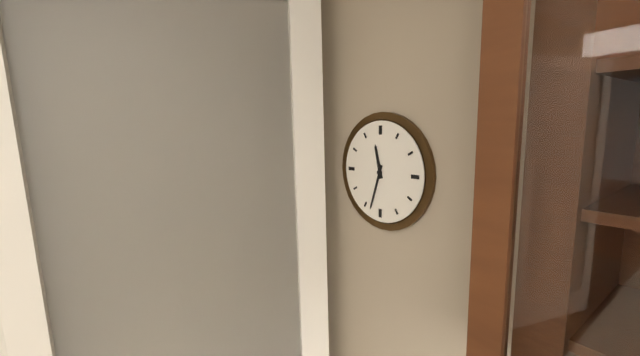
11:33
